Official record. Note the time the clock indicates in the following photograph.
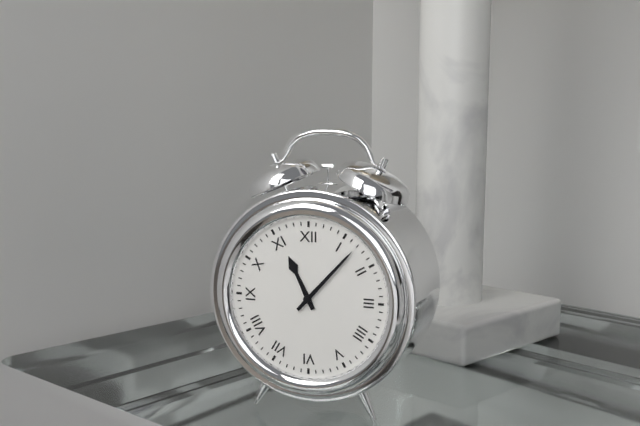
11:07
